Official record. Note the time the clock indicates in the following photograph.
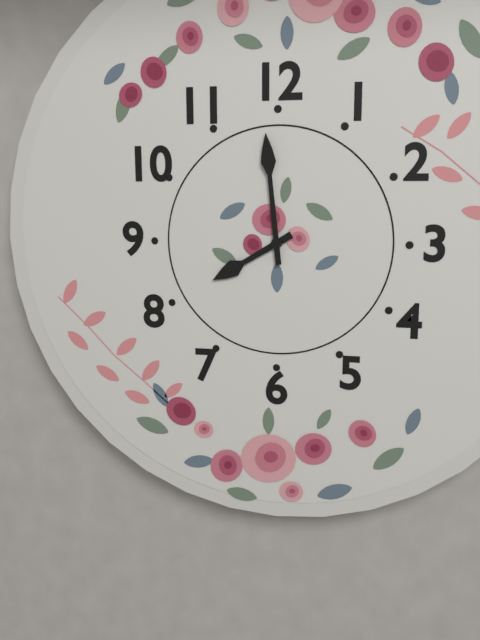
7:59
